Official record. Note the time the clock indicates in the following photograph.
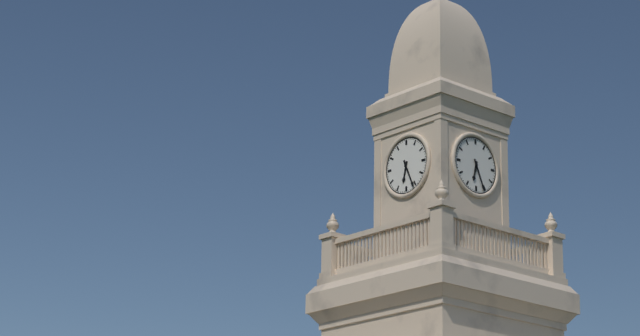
6:26
